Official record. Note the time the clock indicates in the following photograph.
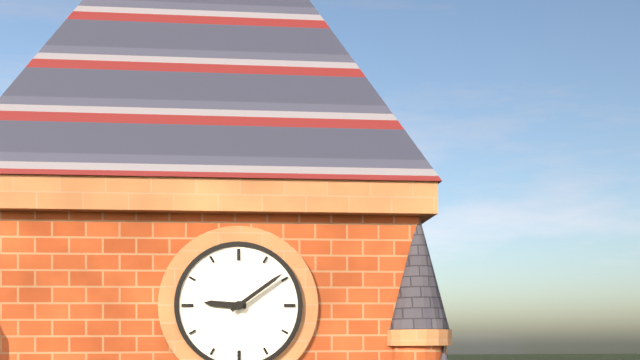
9:09
